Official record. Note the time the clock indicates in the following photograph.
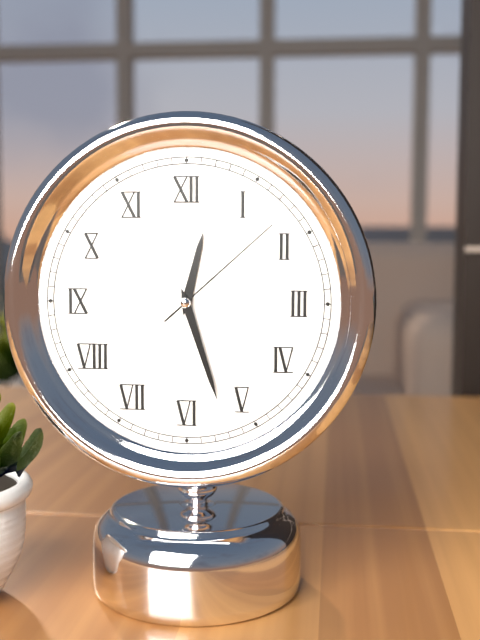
12:27:08
